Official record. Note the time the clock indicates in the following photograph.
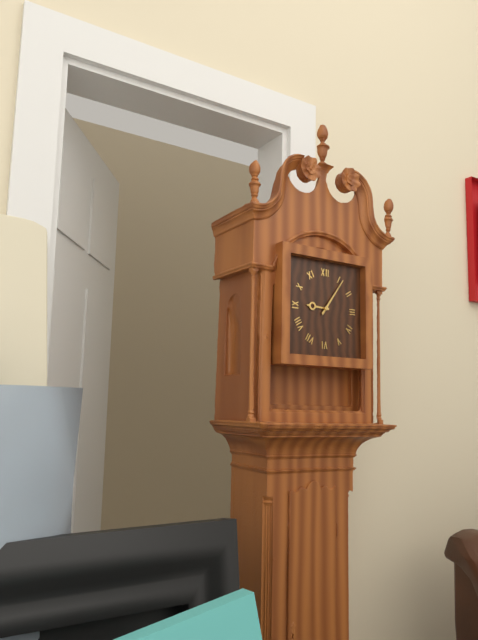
9:06
